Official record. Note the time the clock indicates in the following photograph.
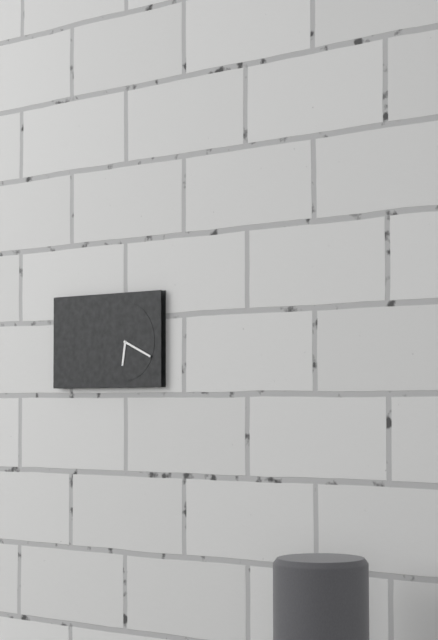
6:19
